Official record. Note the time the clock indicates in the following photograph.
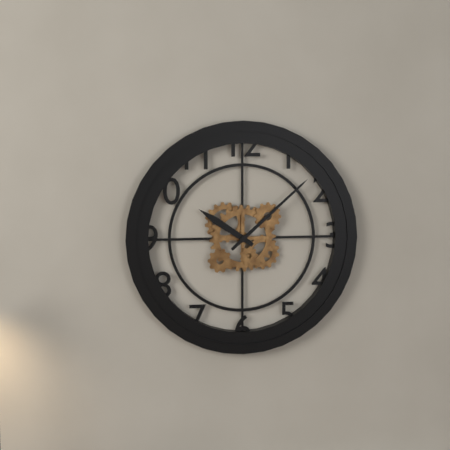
10:08
